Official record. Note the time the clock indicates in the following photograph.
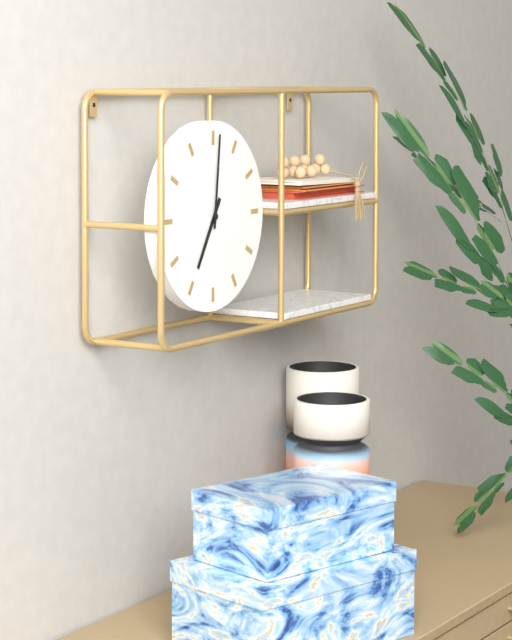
7:01
